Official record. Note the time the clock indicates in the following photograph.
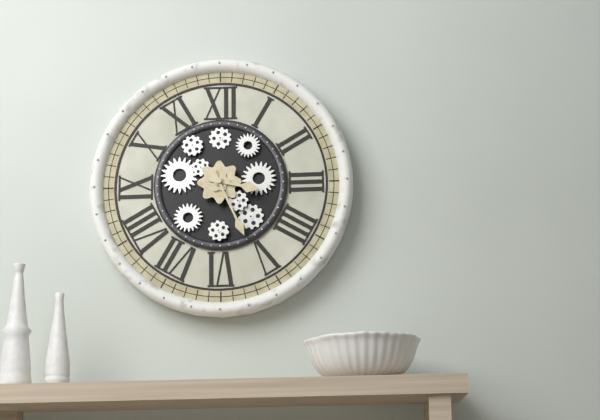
3:26
